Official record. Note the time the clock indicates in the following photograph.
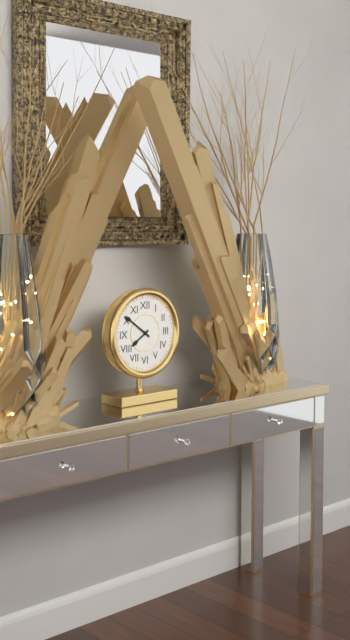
7:51
